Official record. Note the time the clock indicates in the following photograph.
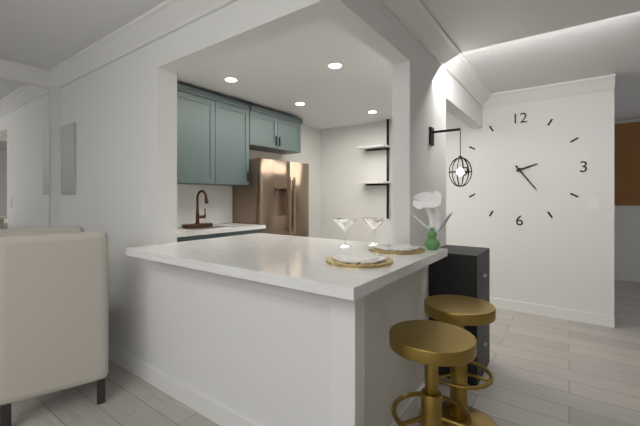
2:24
